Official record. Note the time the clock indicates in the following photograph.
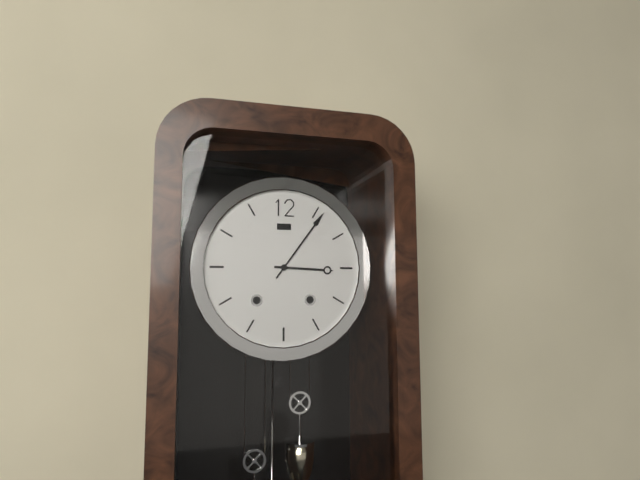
3:06
